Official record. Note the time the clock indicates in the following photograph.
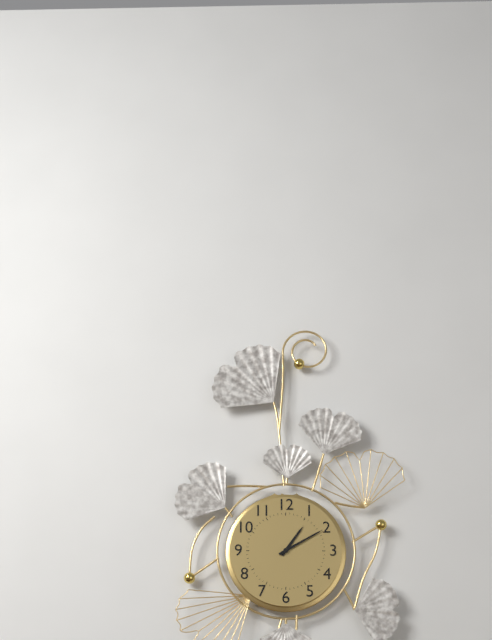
1:10
